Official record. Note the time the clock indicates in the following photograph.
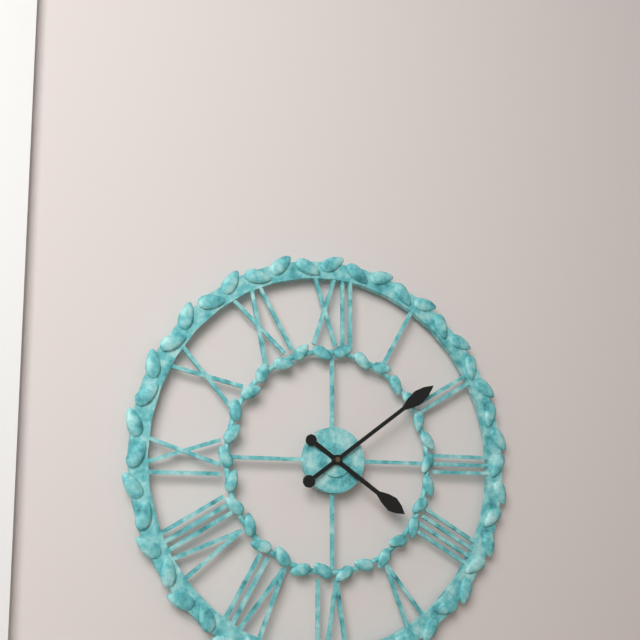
4:09
